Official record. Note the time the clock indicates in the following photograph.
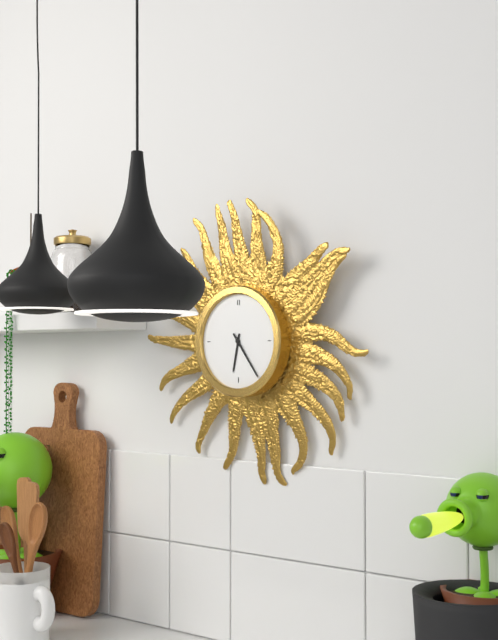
6:24
